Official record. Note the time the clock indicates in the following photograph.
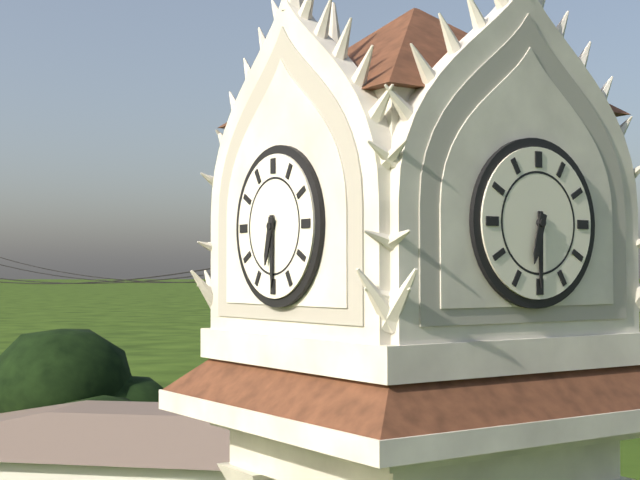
6:30
